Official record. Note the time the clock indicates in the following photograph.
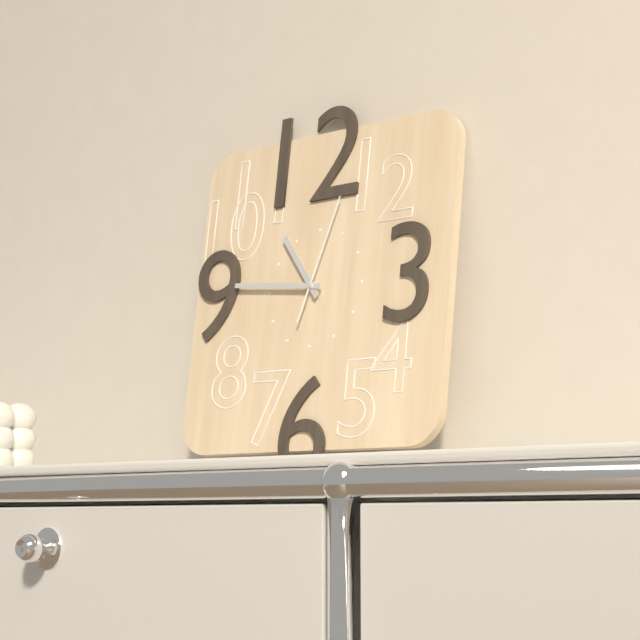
10:46:03
